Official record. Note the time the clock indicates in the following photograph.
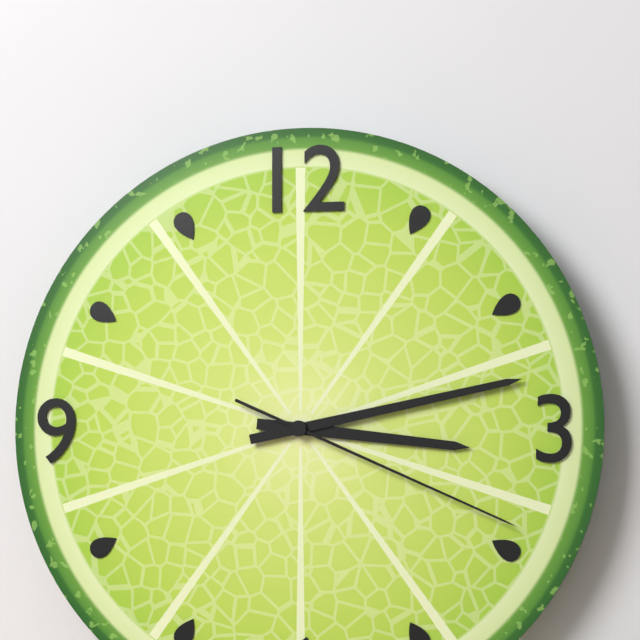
3:13:19
